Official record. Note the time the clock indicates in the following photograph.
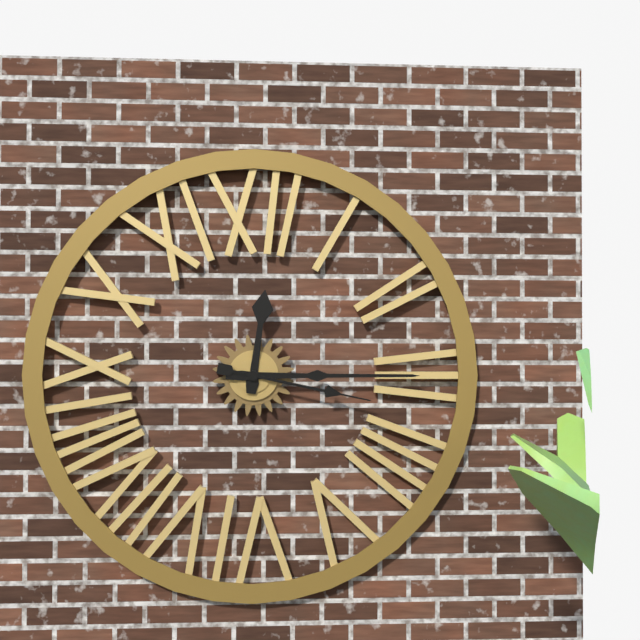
12:15:17
